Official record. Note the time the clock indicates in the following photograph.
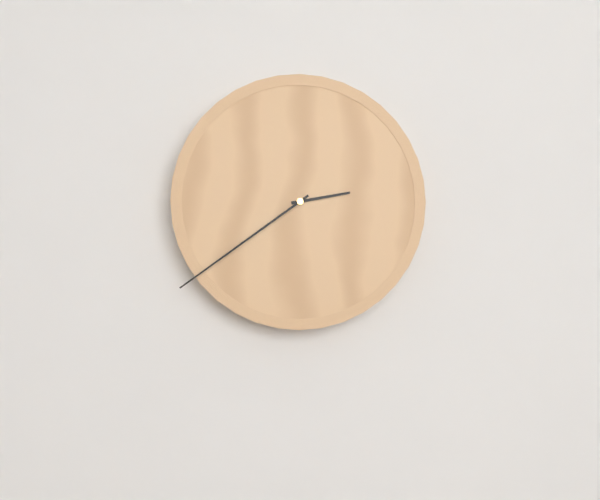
2:39
